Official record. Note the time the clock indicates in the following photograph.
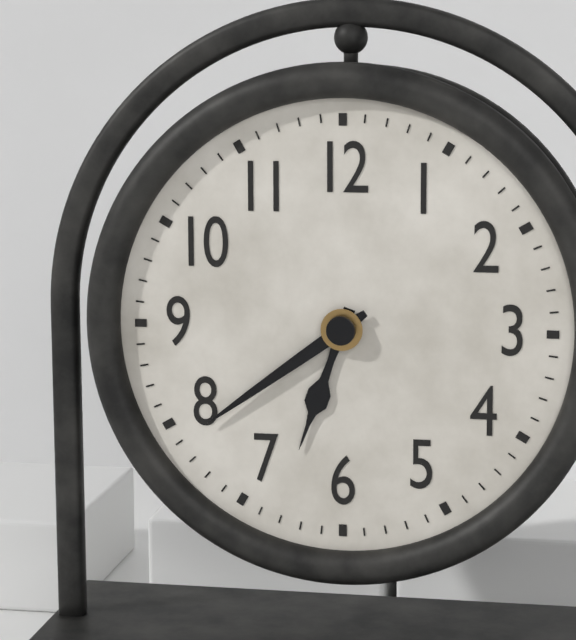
6:39
